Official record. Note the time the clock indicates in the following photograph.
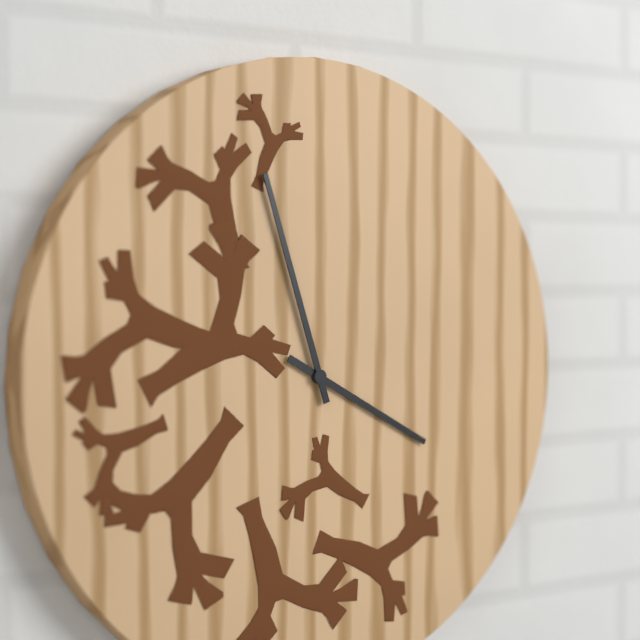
3:57
